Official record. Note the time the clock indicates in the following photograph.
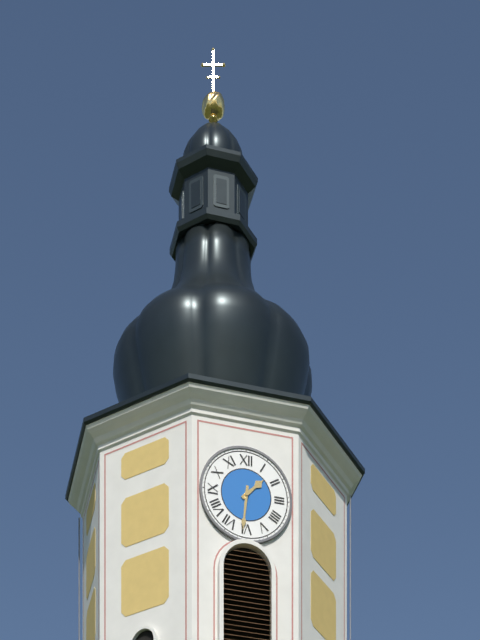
1:31
